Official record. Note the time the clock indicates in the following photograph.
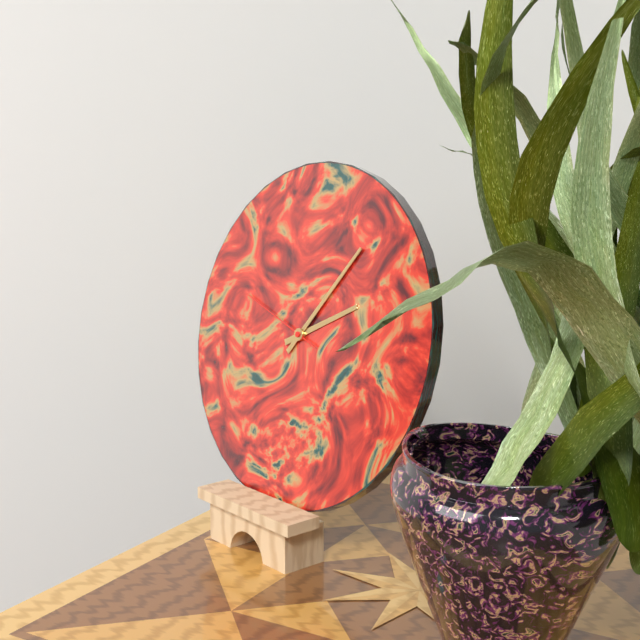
2:06:48
